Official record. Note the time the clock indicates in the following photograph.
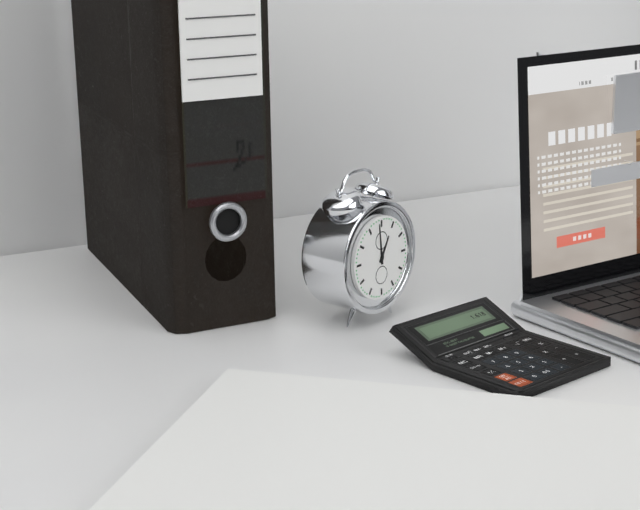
12:59
